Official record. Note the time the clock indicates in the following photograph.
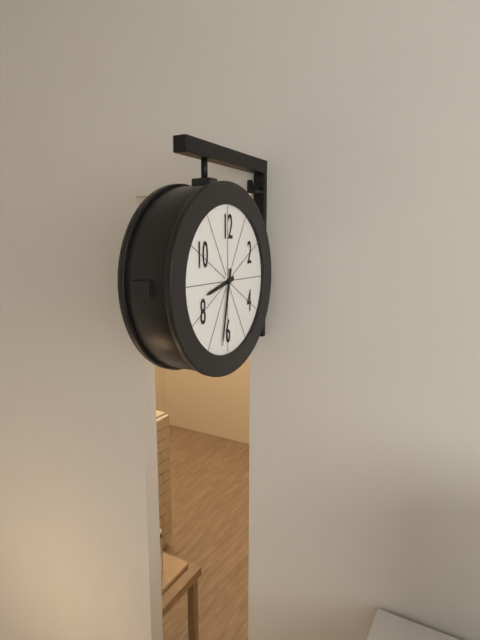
8:32
